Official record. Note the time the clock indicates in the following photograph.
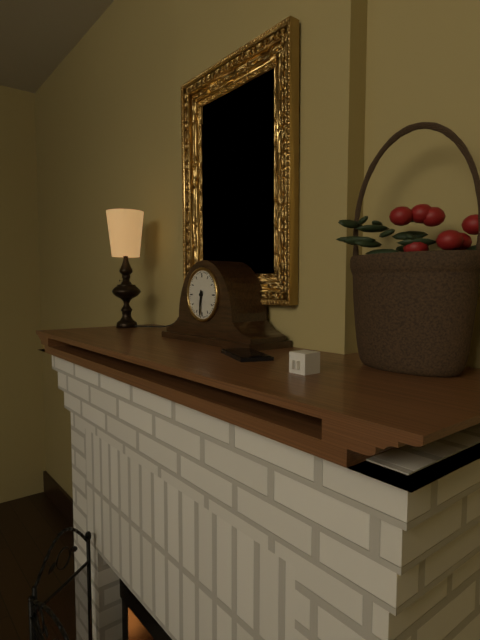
6:31
